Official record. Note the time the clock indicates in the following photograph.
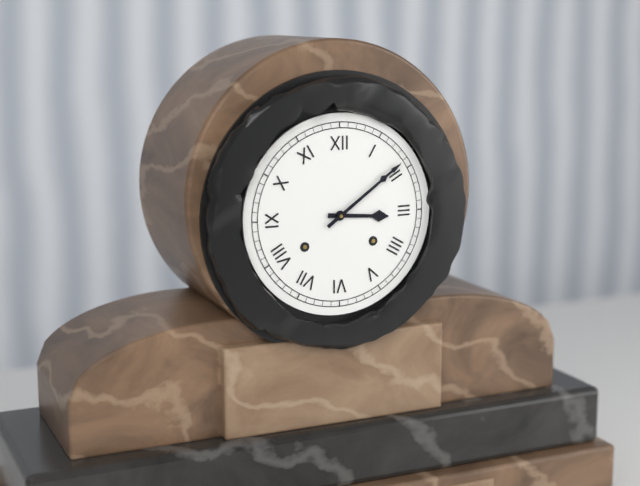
3:09
